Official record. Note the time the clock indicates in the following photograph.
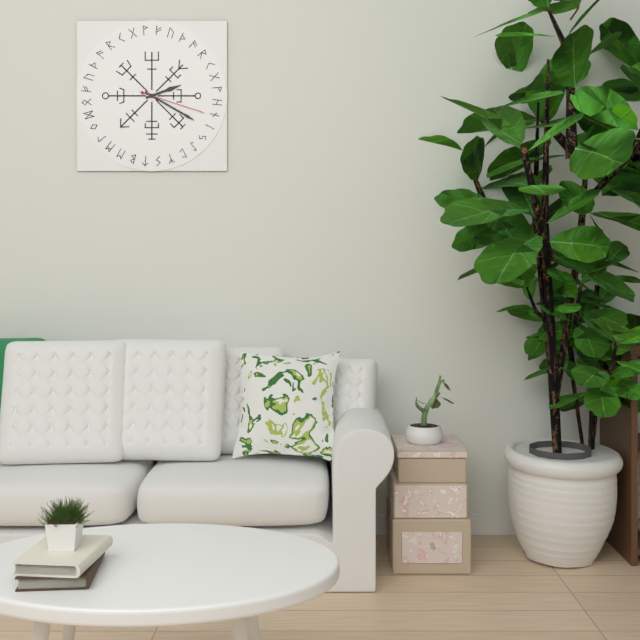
2:20:18
